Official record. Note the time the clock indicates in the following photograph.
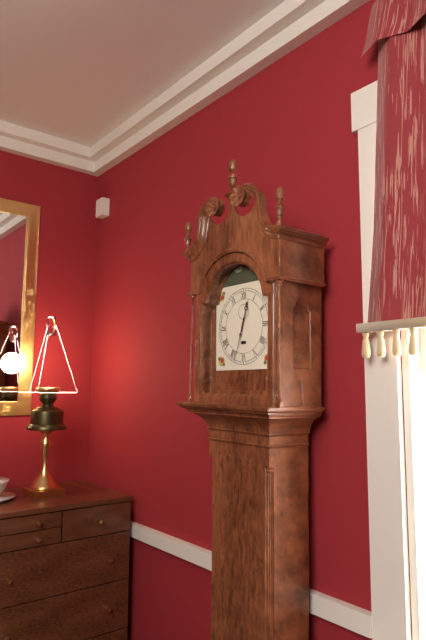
12:33
